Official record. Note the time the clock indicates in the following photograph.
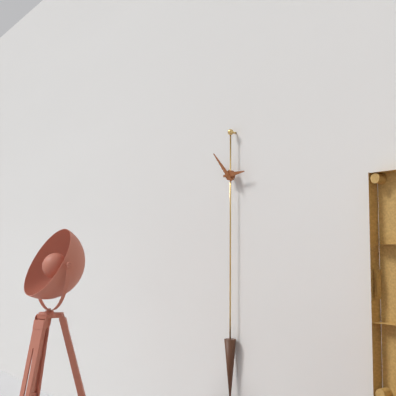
2:53
